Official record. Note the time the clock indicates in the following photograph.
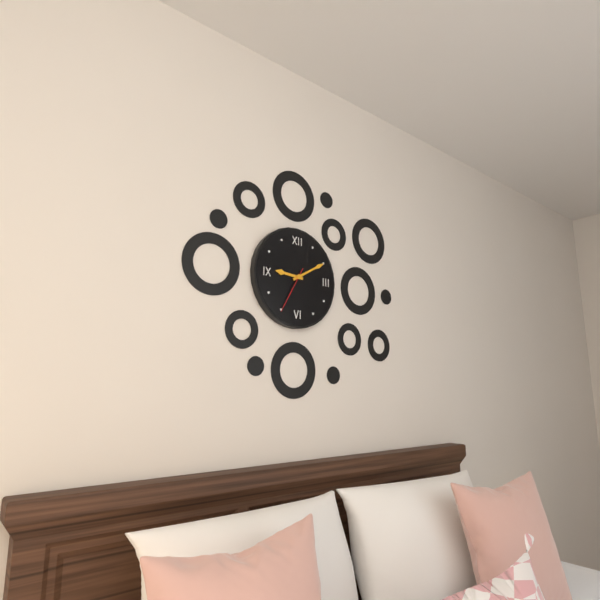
9:10
